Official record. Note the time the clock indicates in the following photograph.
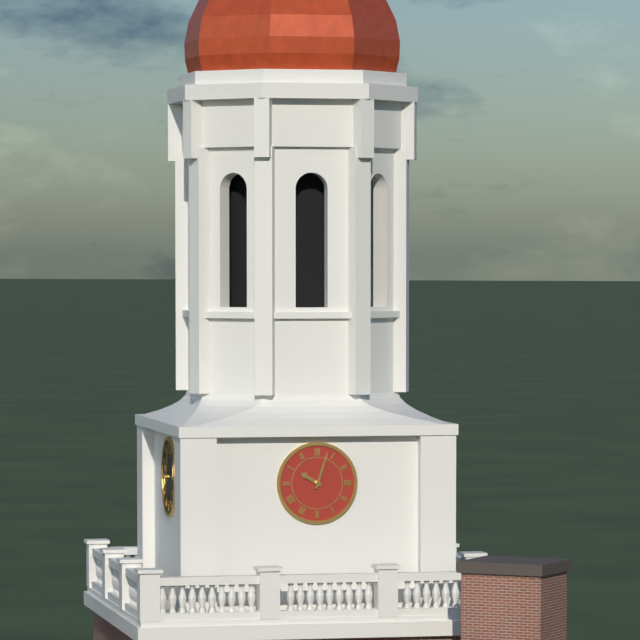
10:03
